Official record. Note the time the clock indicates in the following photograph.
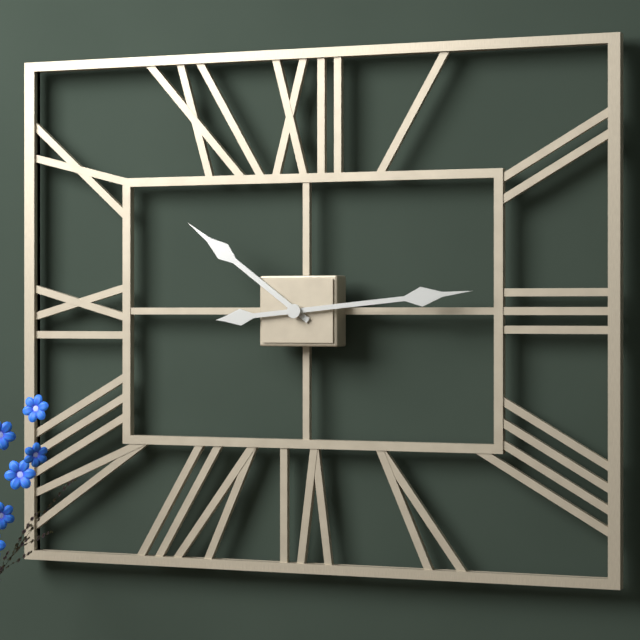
10:14
